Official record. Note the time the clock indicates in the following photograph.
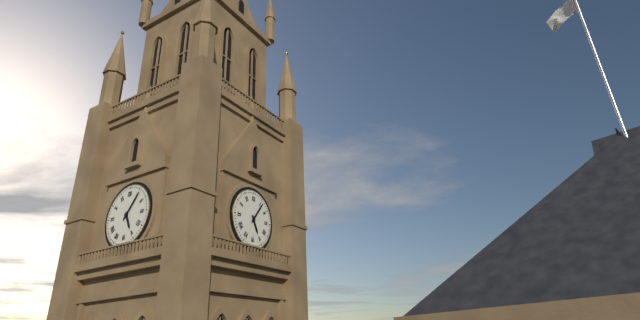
5:06
